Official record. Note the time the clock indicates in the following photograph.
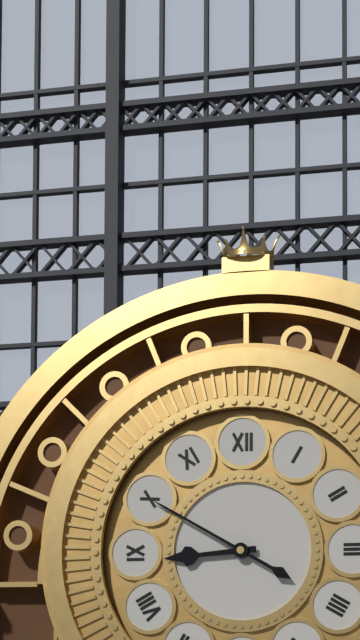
8:50
